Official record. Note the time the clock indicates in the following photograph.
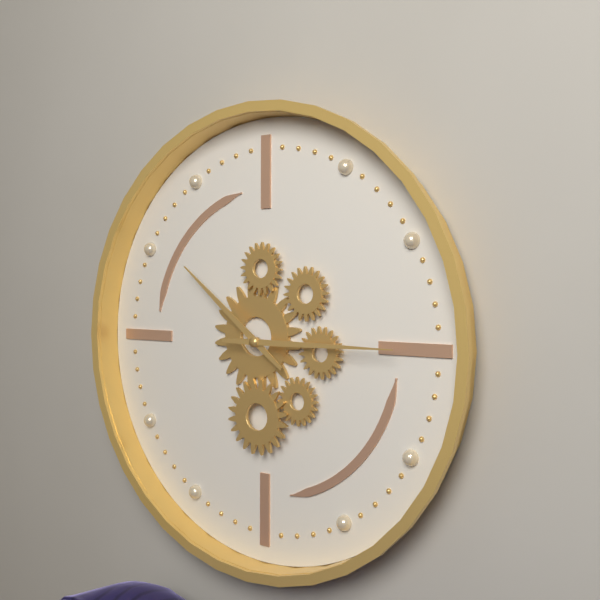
10:15
